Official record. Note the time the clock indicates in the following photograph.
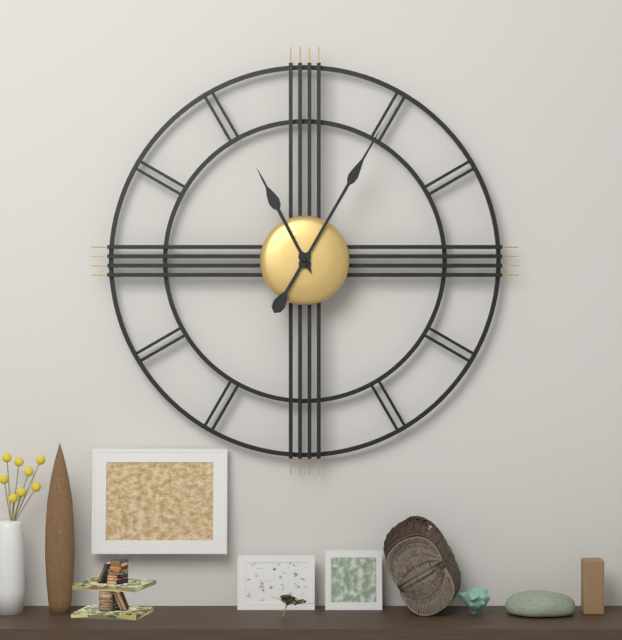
11:05
